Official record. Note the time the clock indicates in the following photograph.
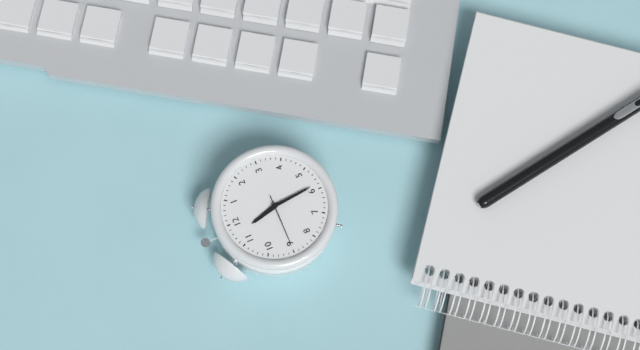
11:29:45
